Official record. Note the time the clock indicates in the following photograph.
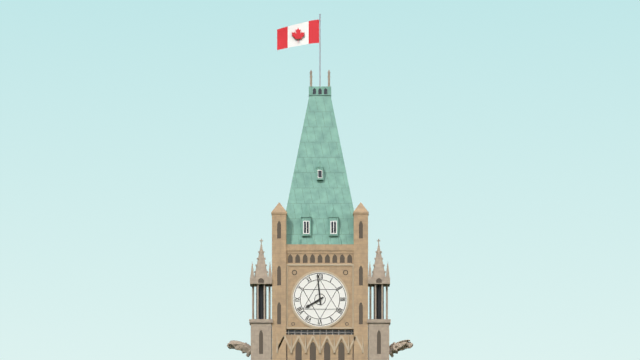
7:59
